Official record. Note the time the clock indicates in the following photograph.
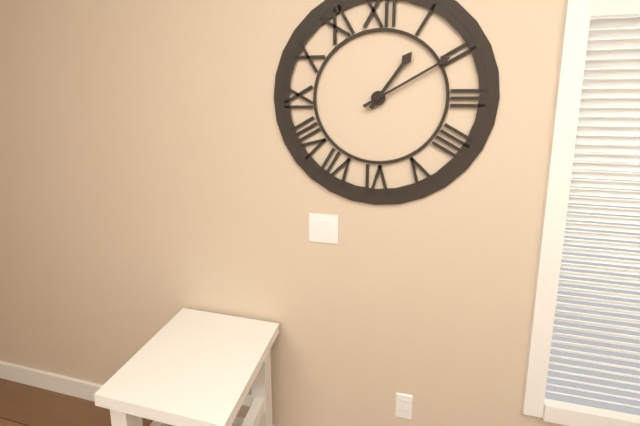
1:10
